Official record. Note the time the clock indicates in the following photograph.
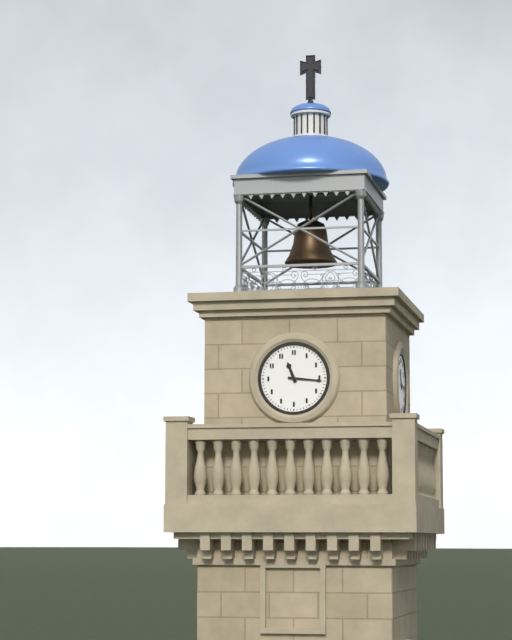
11:16
